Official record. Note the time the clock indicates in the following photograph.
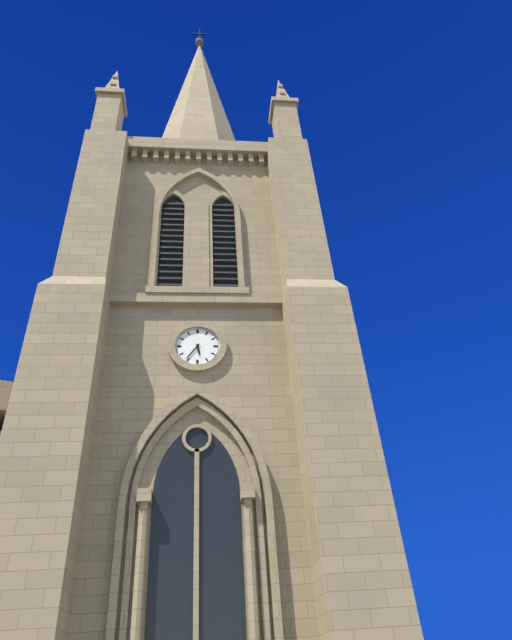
5:36
